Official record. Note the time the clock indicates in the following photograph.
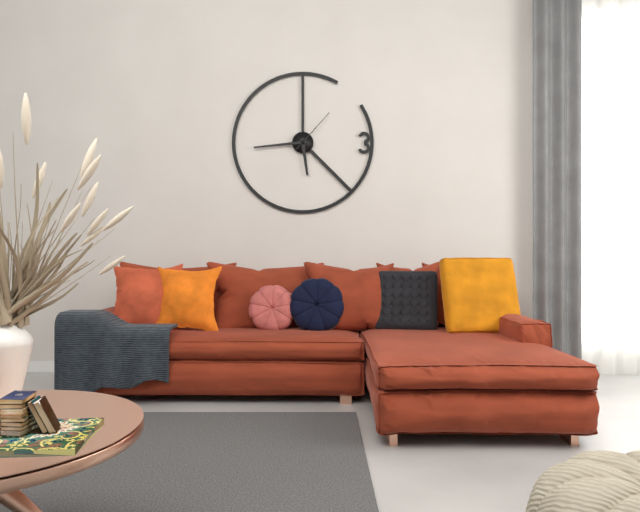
5:44:07
